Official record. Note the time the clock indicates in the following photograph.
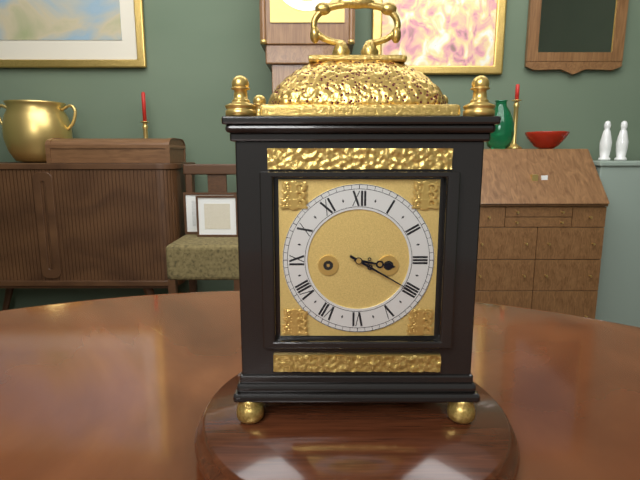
3:20
